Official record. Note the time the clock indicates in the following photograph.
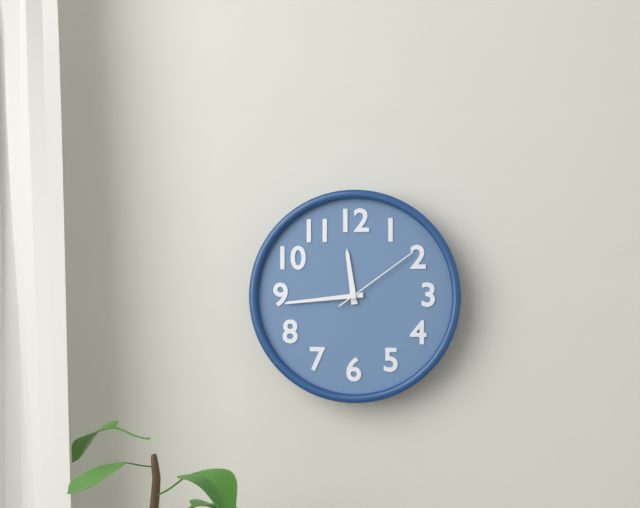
11:44:09
